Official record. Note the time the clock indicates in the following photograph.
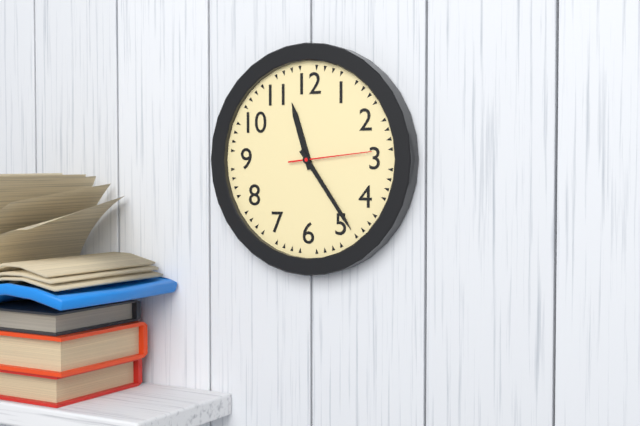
11:24:14
